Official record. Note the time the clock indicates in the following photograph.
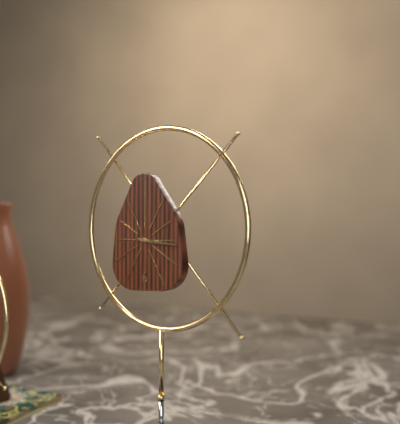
3:16
